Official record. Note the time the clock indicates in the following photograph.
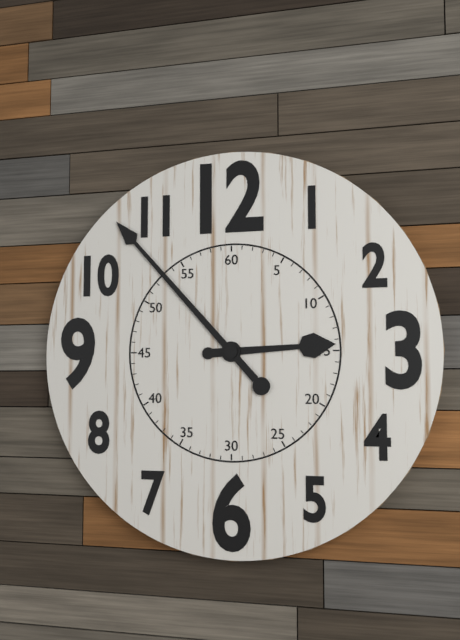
2:53
